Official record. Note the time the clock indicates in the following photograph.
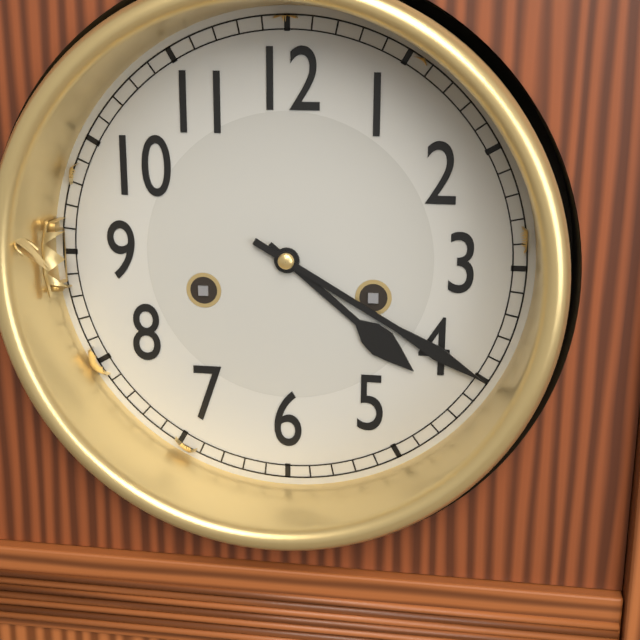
4:20
